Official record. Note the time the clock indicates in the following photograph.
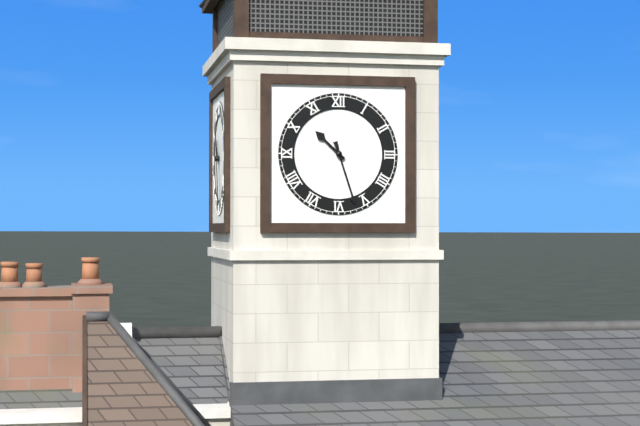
10:27
